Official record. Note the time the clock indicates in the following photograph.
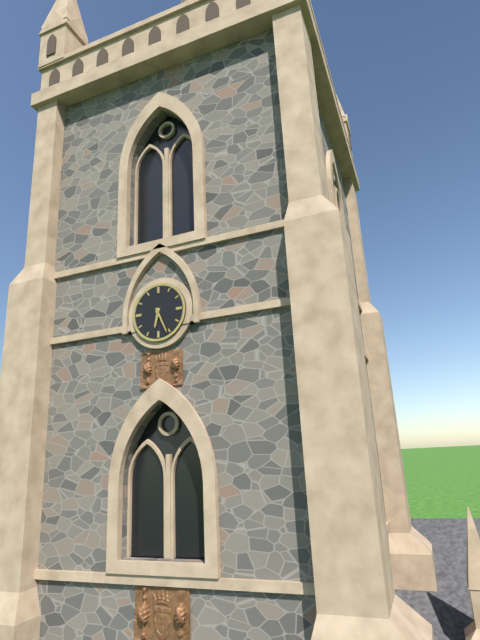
6:26
